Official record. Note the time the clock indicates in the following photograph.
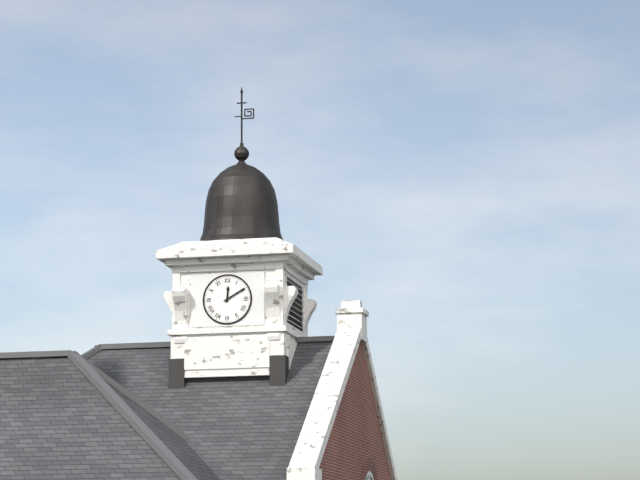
12:10
